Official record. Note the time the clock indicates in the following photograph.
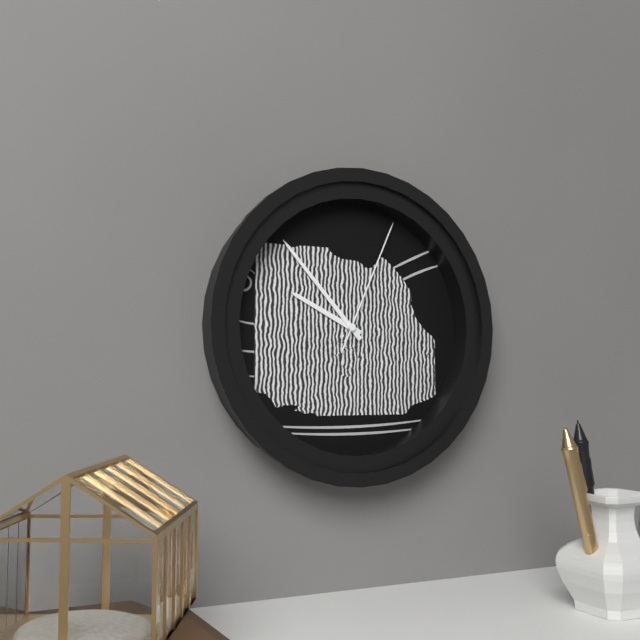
9:53:04
